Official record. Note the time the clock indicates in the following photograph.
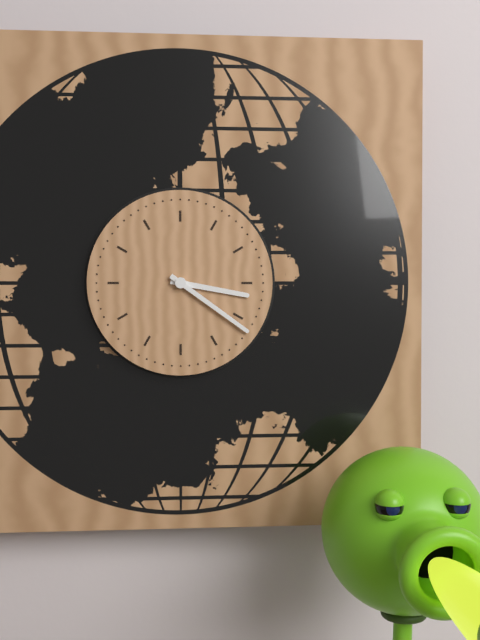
3:21
